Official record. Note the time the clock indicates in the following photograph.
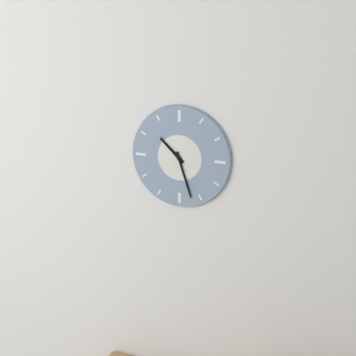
10:27
